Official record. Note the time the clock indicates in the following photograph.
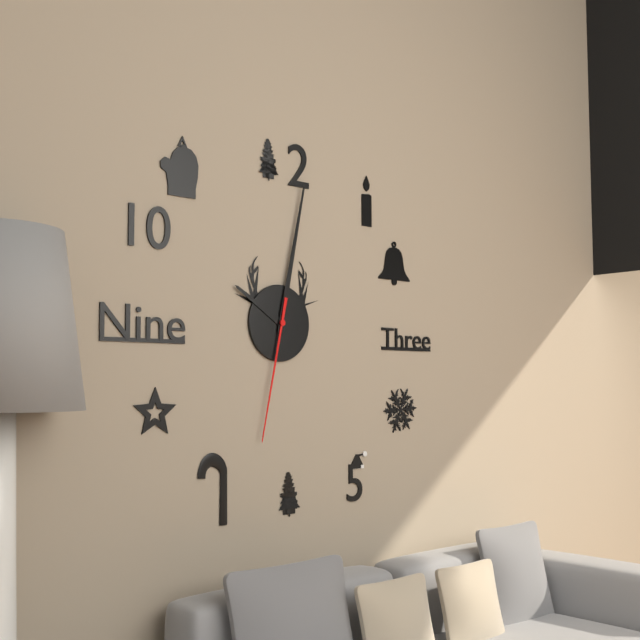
10:02:32
